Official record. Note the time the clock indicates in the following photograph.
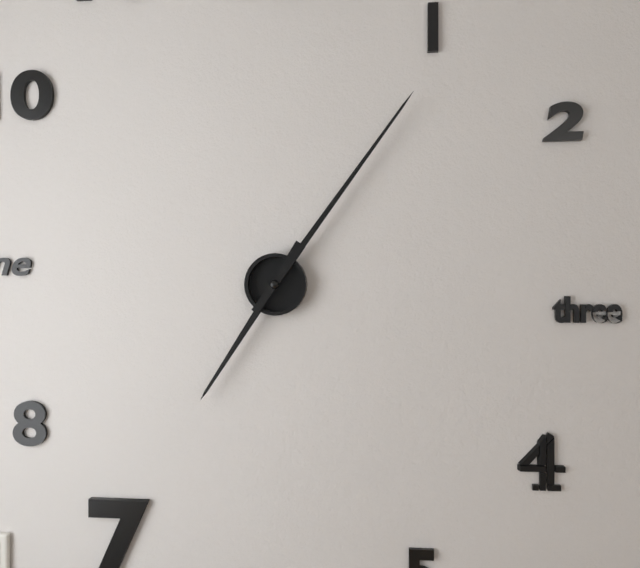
7:06
